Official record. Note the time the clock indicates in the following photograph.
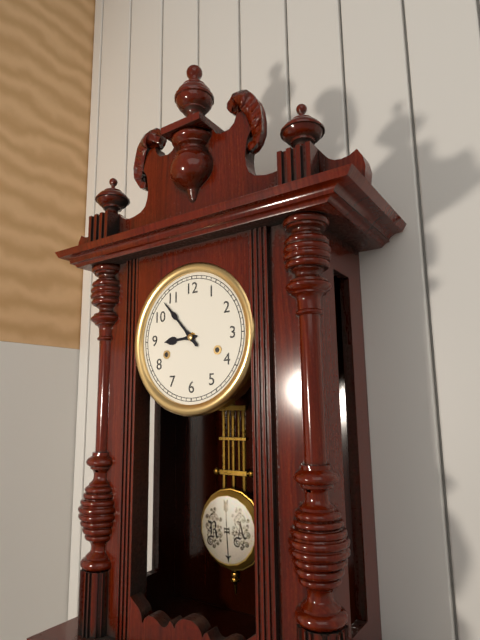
8:53
